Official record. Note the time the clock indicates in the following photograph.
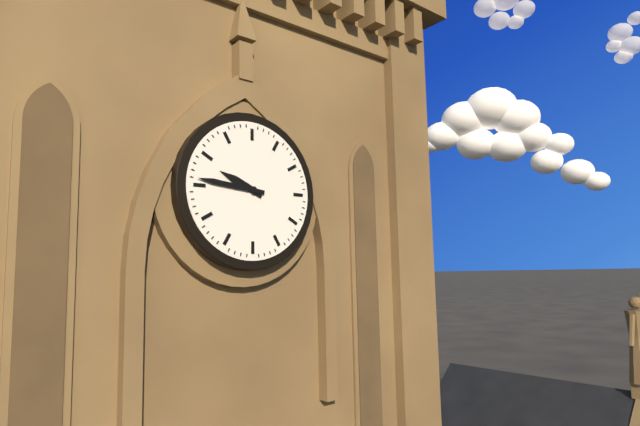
9:46
